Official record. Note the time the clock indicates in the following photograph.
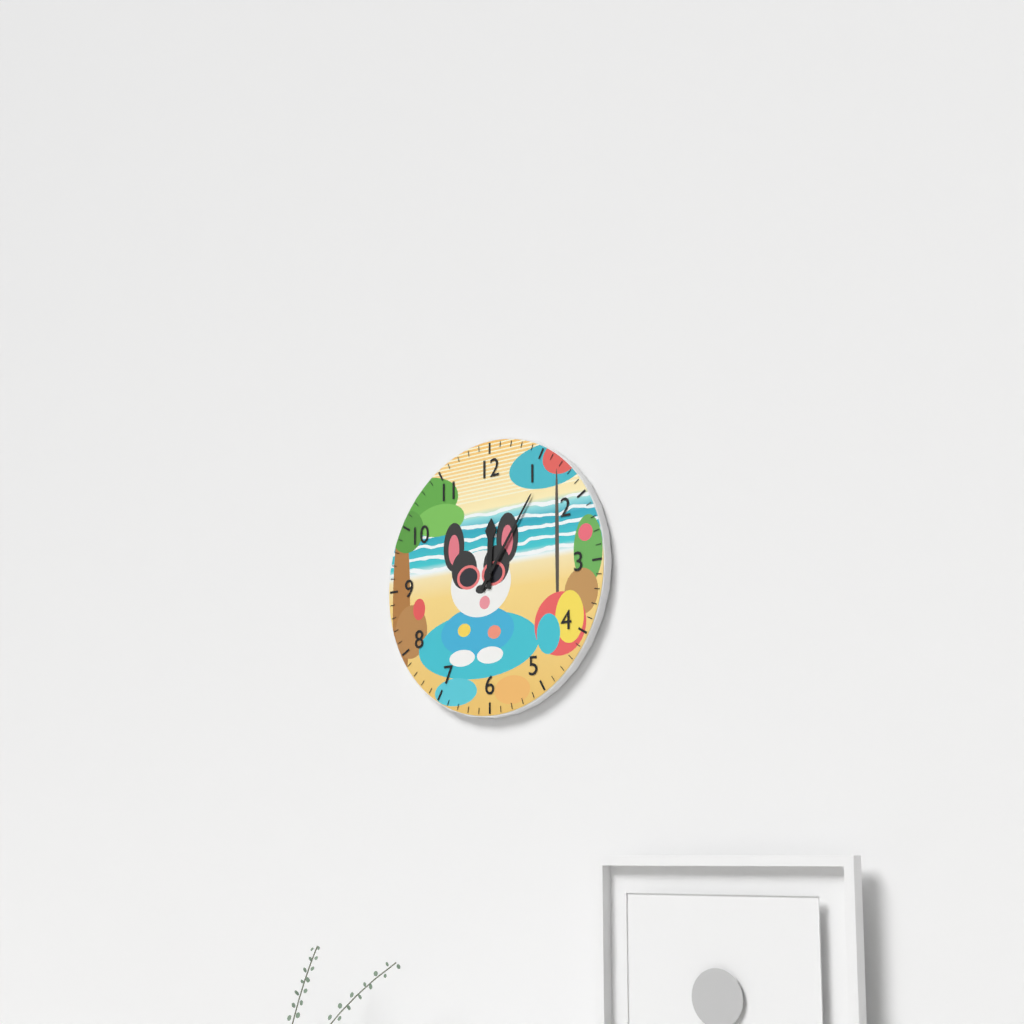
12:06
